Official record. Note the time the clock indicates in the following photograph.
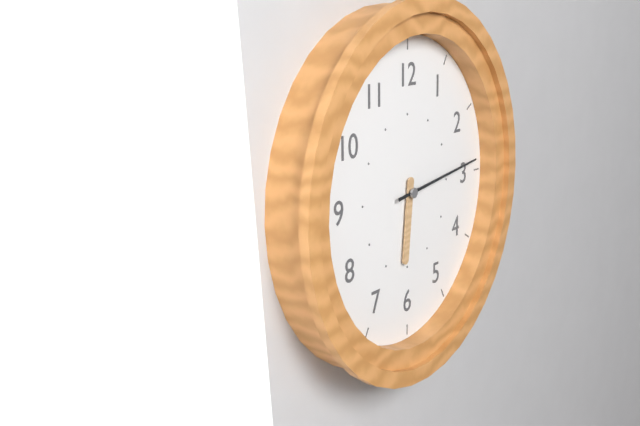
6:14
